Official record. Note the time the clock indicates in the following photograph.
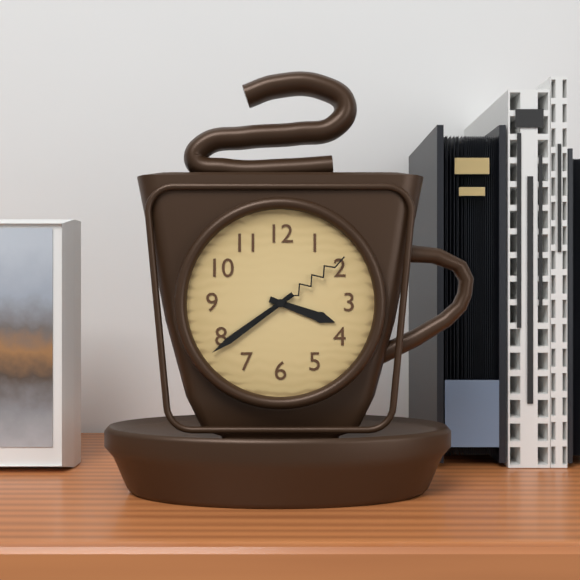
3:39:09
